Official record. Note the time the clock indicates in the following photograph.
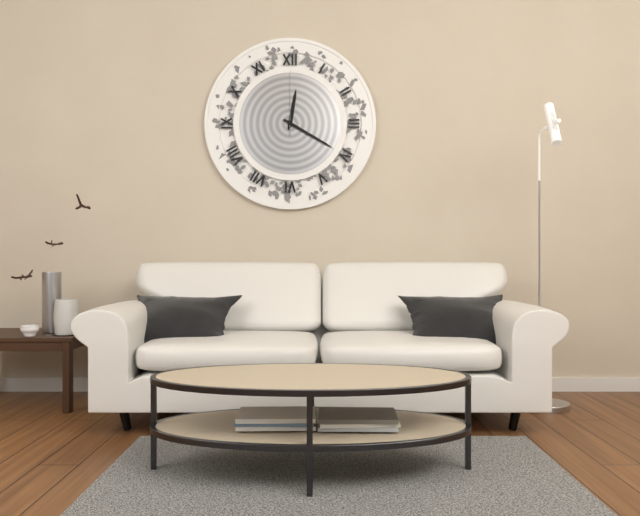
12:20:00
